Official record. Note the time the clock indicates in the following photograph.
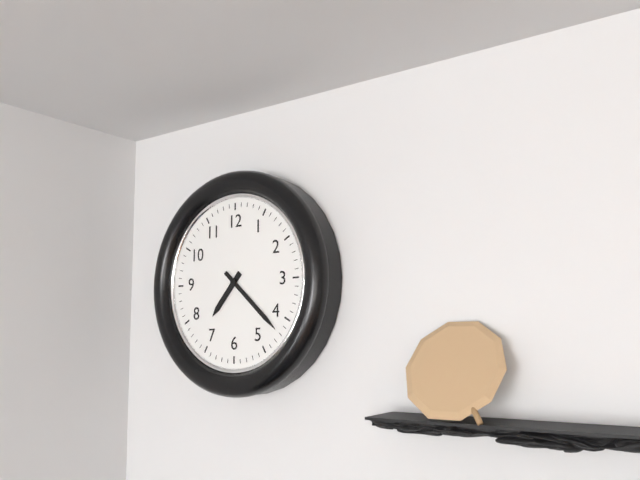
7:22
